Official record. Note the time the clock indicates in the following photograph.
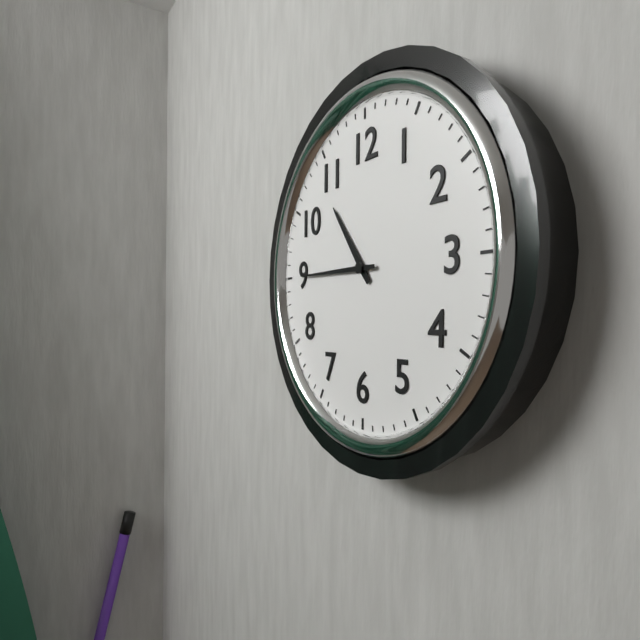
10:45
